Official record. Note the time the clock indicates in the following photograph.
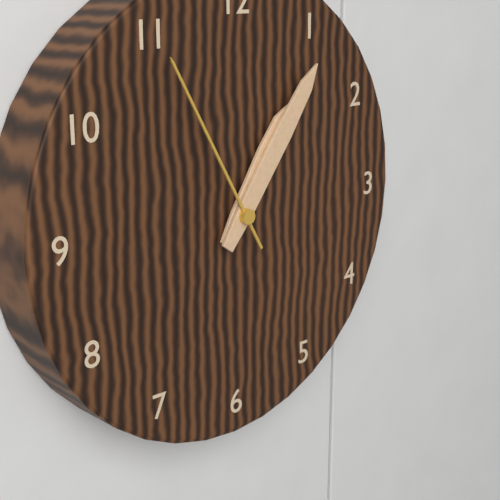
1:06:55
